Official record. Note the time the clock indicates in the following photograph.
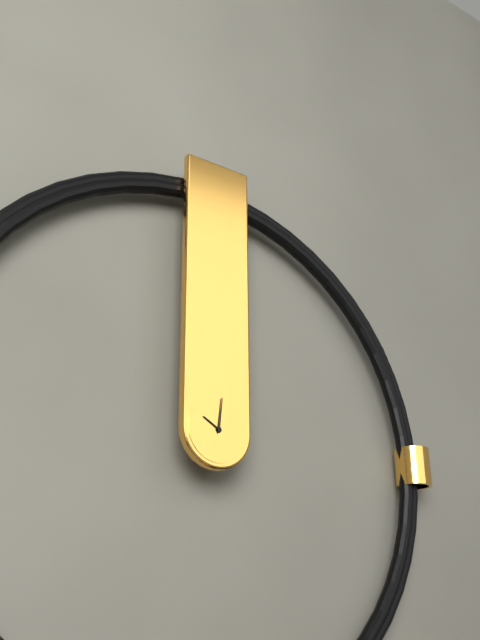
10:01
